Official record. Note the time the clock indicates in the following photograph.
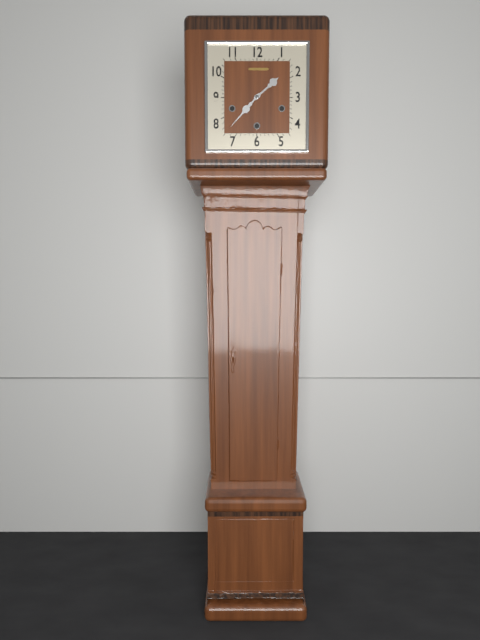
1:37
